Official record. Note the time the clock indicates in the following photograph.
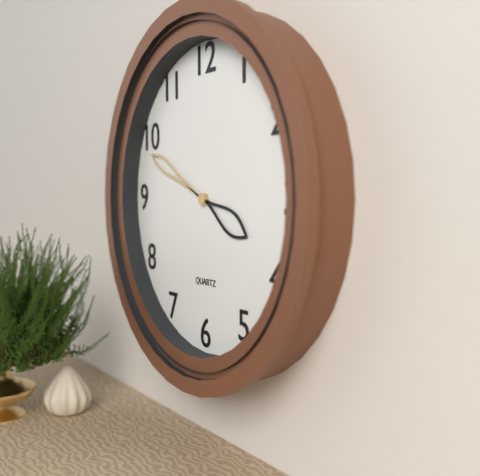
3:49
